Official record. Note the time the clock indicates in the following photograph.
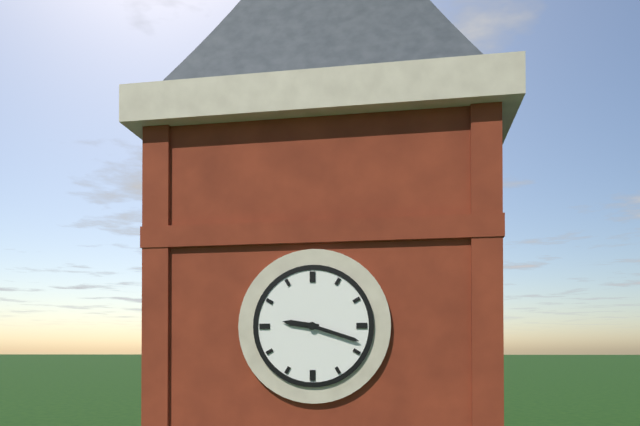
9:18
